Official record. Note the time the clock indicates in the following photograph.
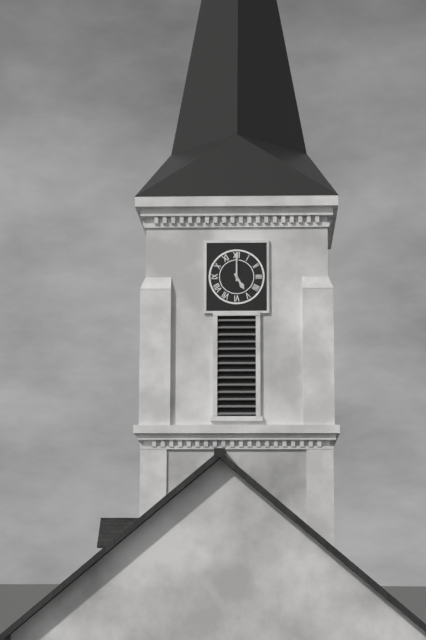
5:00
